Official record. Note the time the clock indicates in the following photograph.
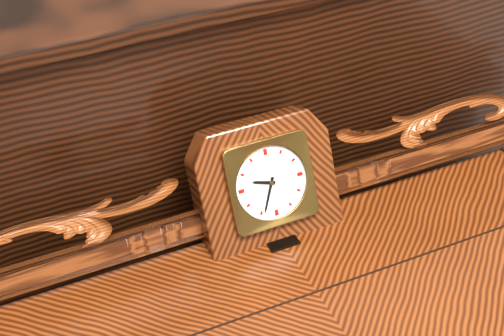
9:34
